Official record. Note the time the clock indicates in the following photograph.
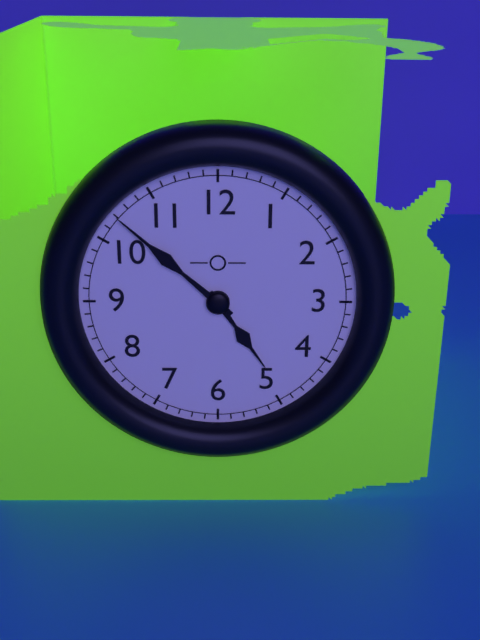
4:52
